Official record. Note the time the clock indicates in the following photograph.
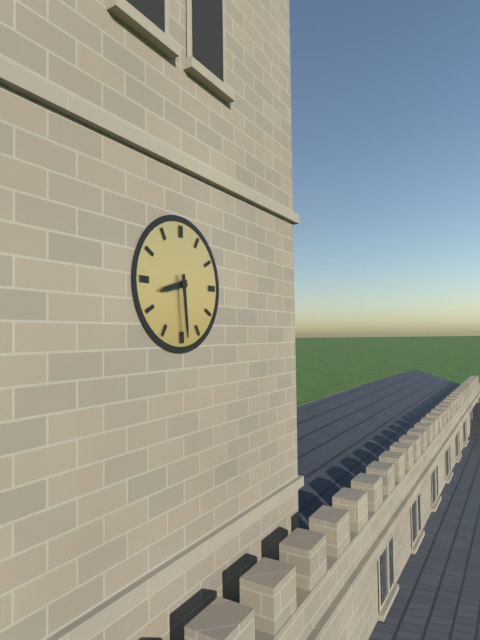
8:29
